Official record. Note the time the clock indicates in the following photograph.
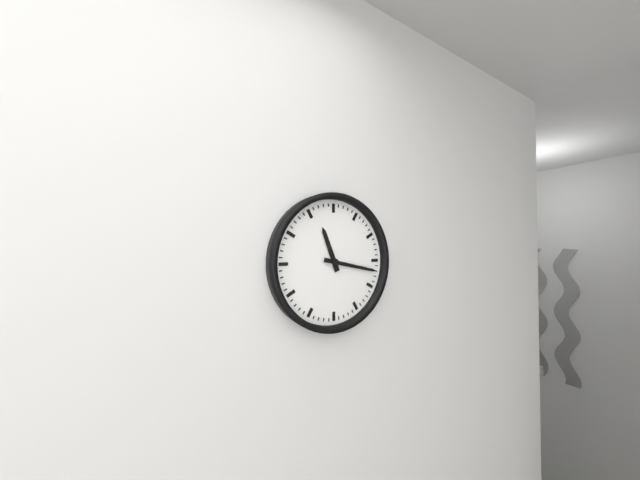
11:17
